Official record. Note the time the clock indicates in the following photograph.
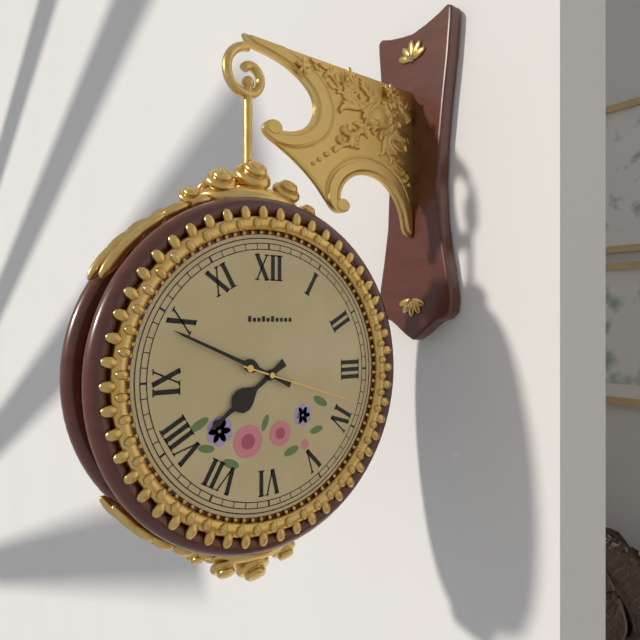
7:49:18
